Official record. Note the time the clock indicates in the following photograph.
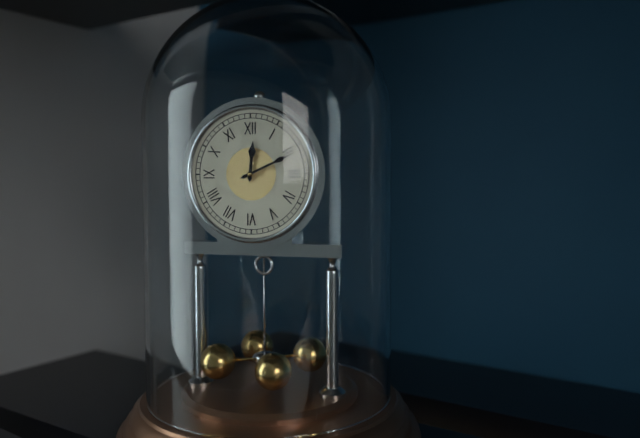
12:11
